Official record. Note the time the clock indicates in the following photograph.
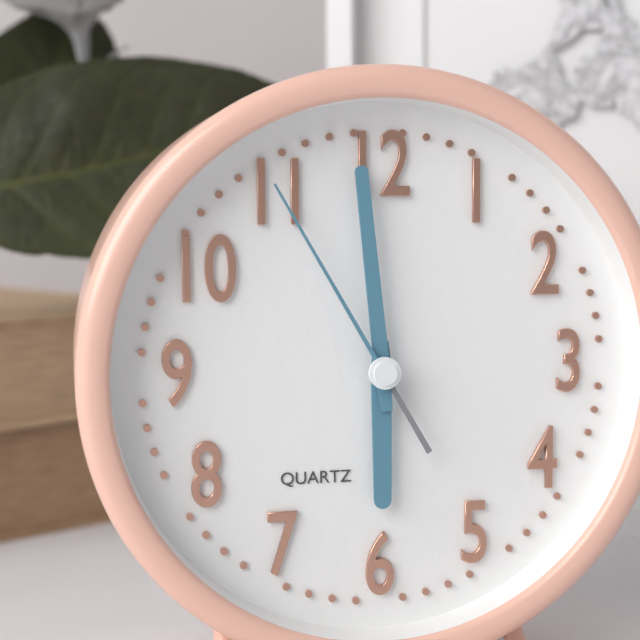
5:59:55
